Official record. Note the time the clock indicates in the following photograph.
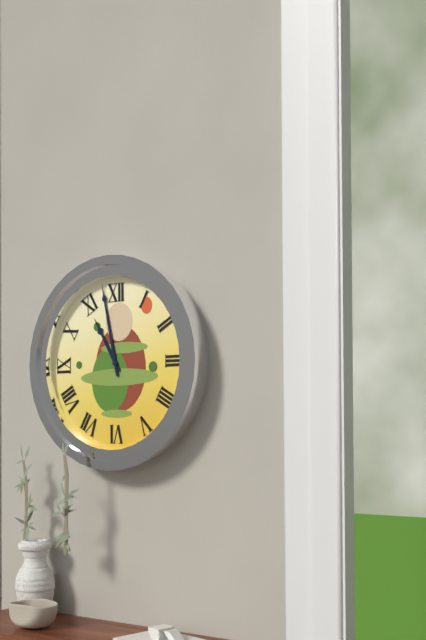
10:58
